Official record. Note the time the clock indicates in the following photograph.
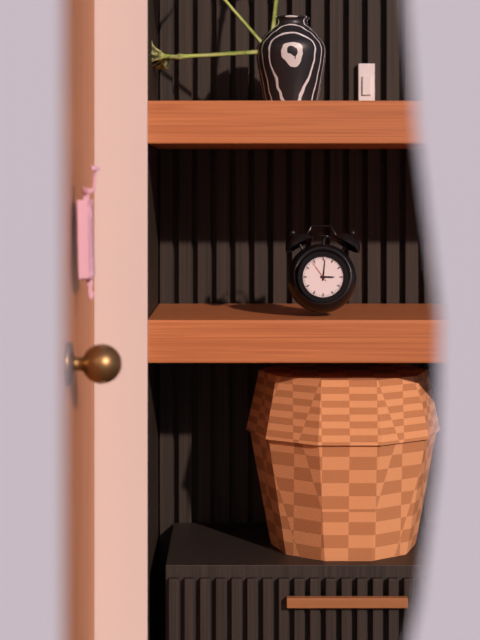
3:01
